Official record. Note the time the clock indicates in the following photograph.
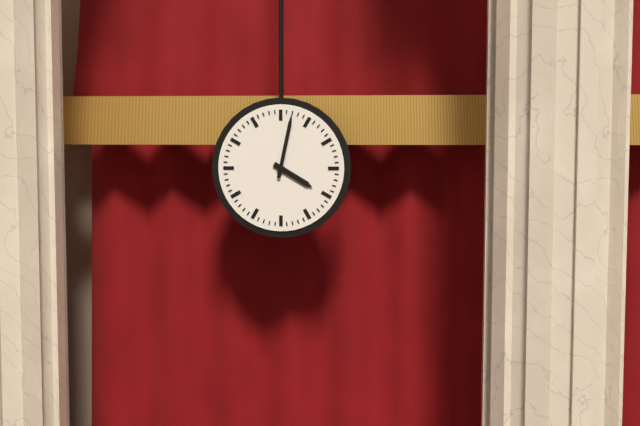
4:02
